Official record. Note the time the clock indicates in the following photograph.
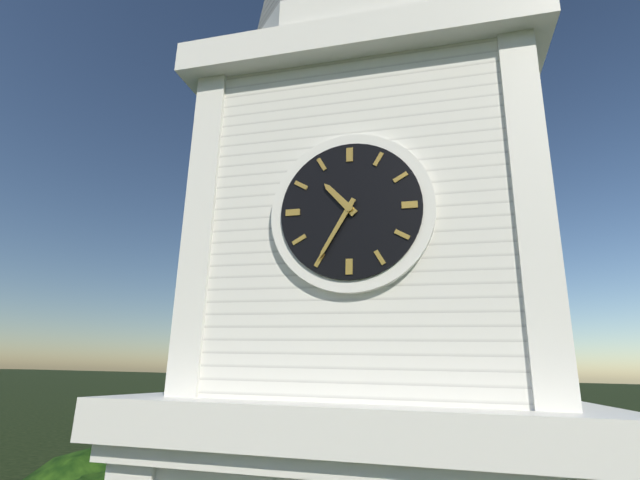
10:35
